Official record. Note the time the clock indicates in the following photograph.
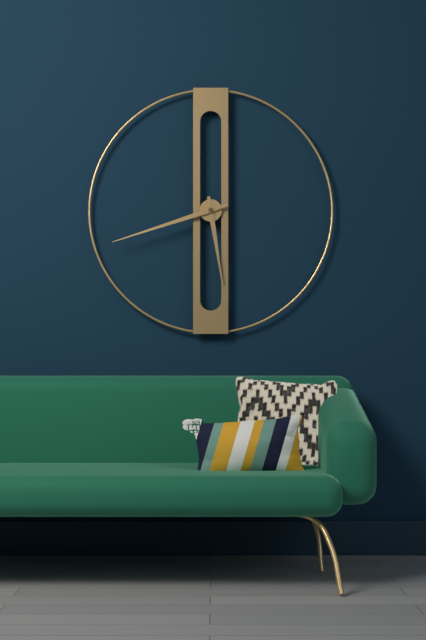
5:42
